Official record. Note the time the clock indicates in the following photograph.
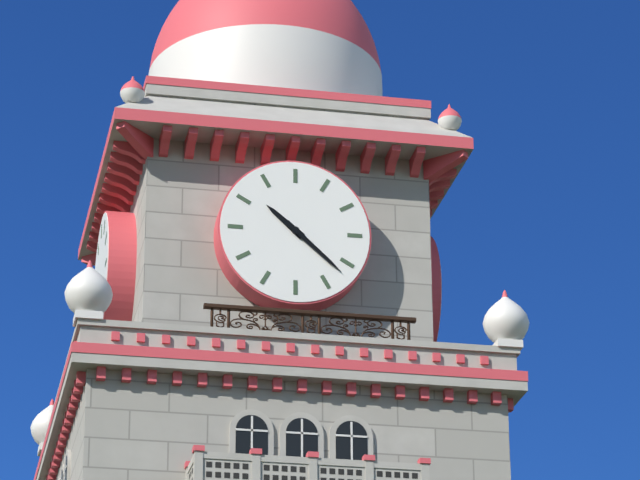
10:22
